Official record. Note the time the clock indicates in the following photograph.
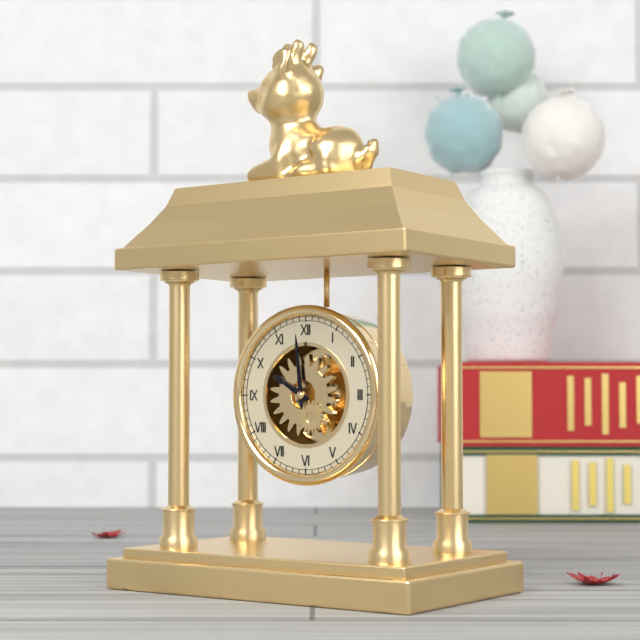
9:59
